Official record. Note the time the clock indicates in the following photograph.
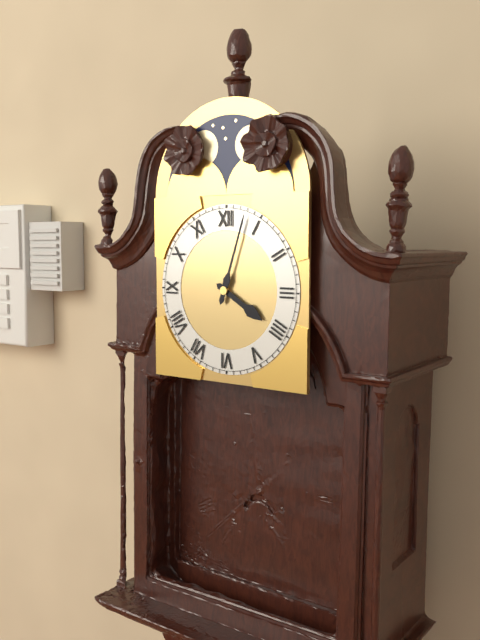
4:03
